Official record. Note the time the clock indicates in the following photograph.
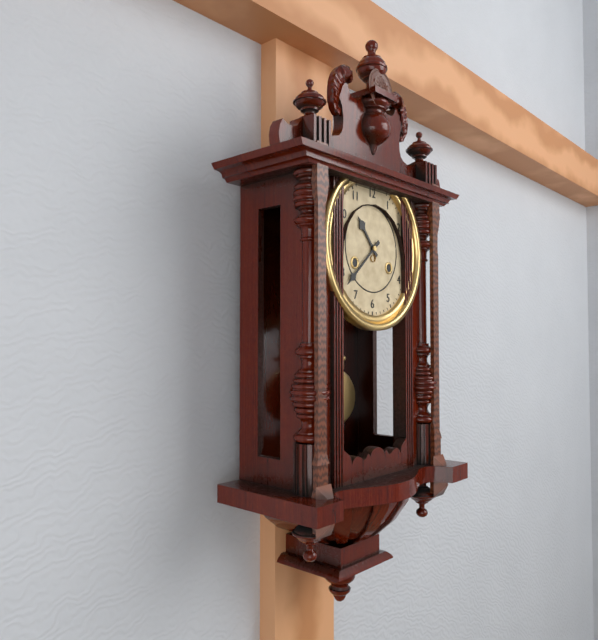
10:38
